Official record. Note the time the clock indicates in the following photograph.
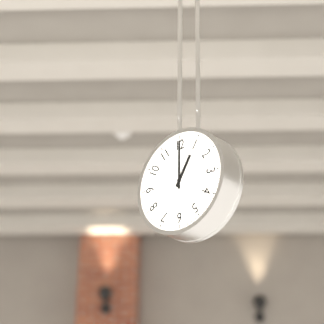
1:00
